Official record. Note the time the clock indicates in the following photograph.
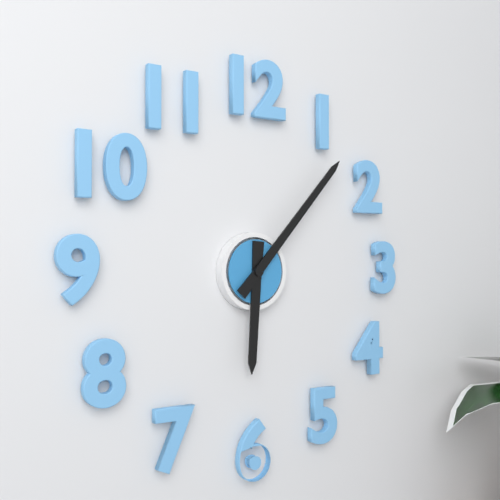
6:07
